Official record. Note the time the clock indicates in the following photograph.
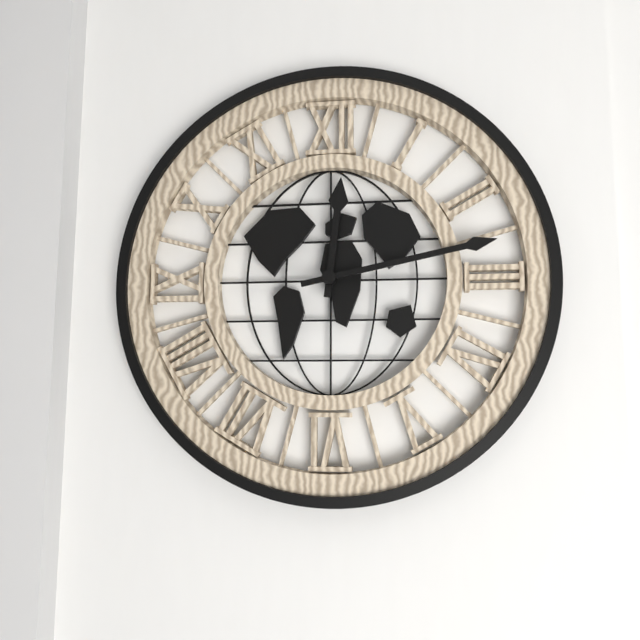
12:13
